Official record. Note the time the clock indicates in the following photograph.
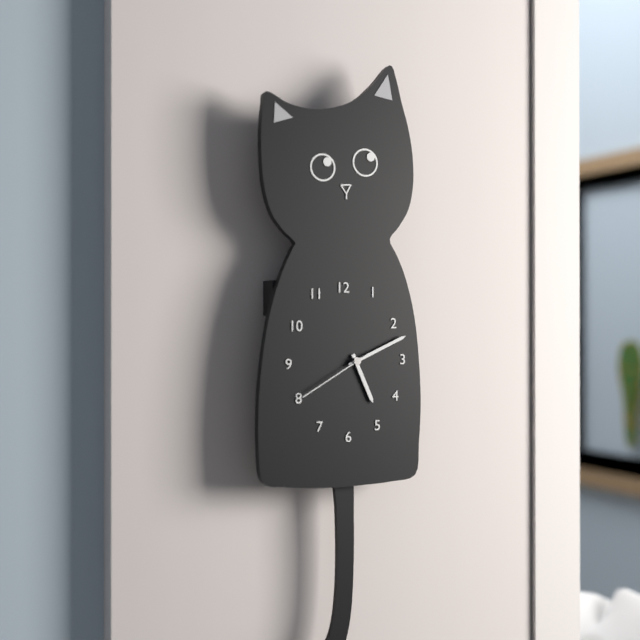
5:11:40
